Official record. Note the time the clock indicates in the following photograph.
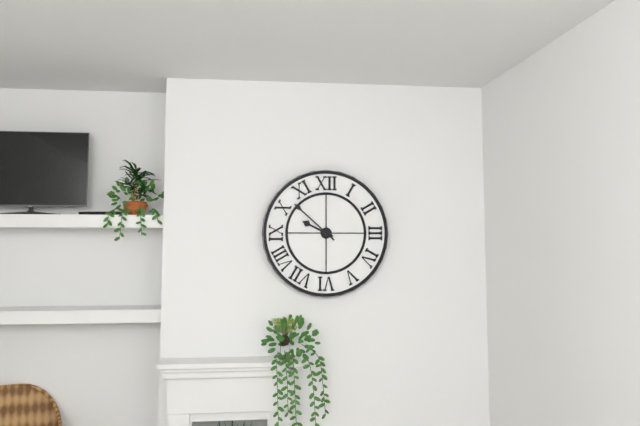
9:52
